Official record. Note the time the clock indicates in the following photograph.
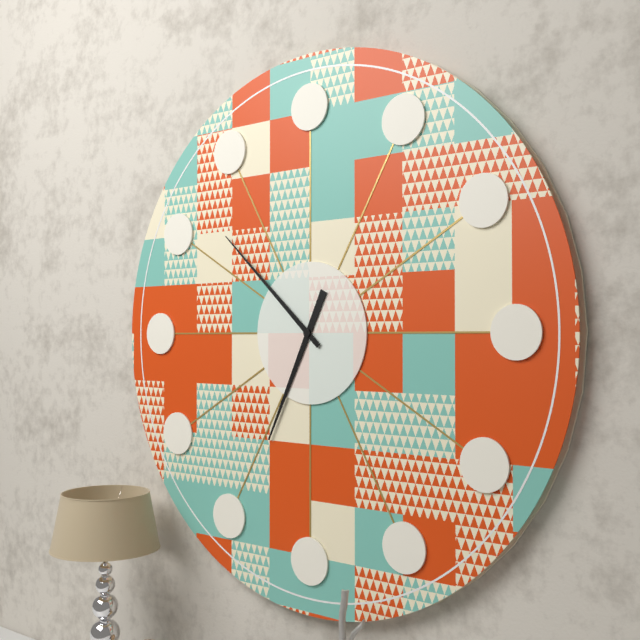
6:52
